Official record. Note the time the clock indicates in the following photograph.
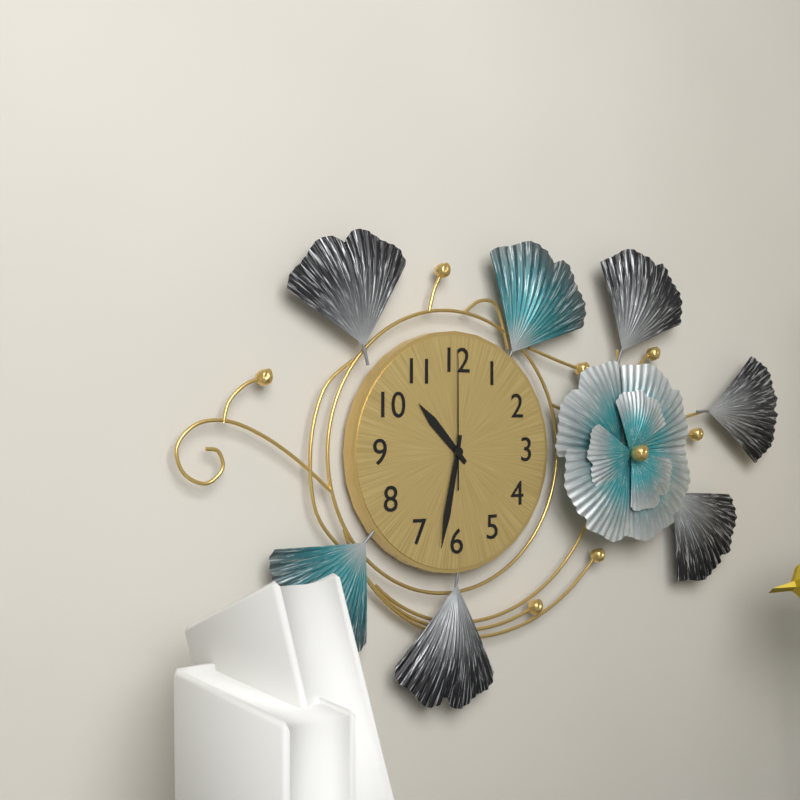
10:32:00
